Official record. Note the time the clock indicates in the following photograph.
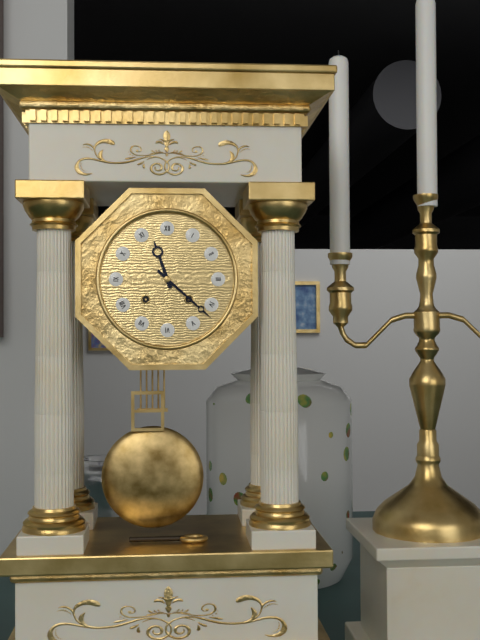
11:22
